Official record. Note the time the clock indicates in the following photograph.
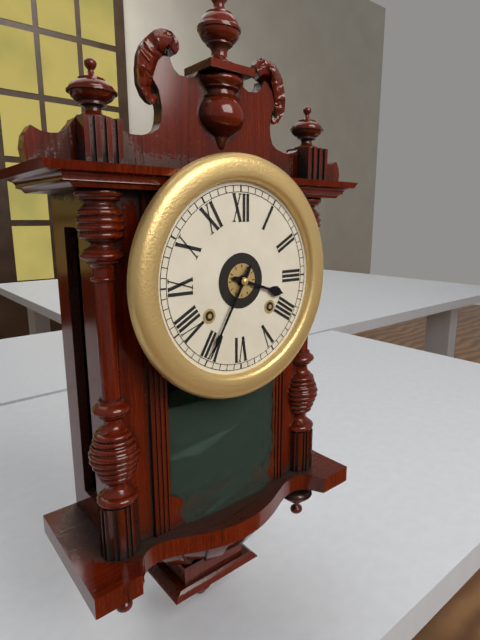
3:35
